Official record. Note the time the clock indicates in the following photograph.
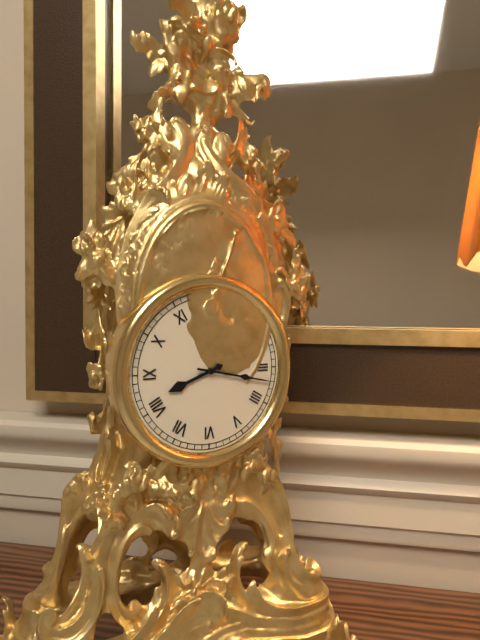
8:17
